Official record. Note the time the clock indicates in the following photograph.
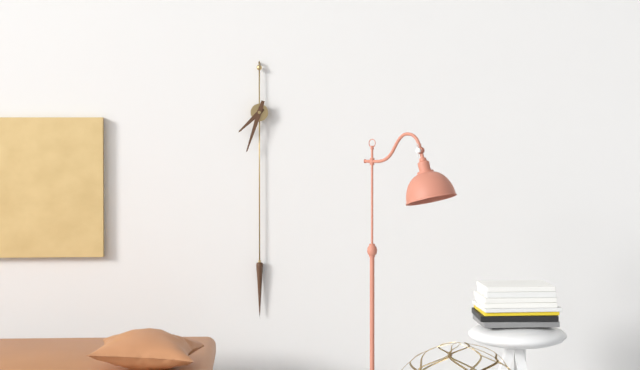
7:33
